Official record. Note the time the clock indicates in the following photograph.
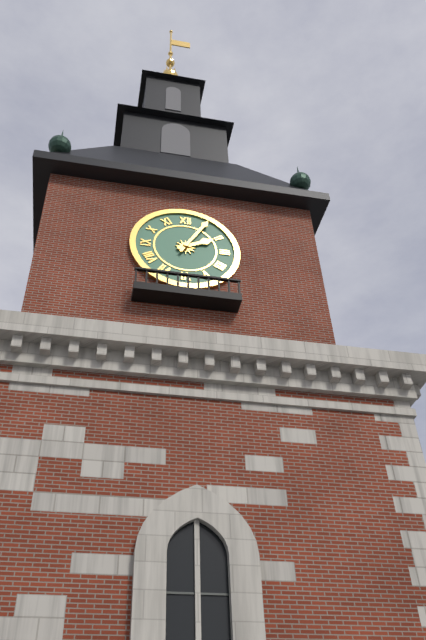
2:05
